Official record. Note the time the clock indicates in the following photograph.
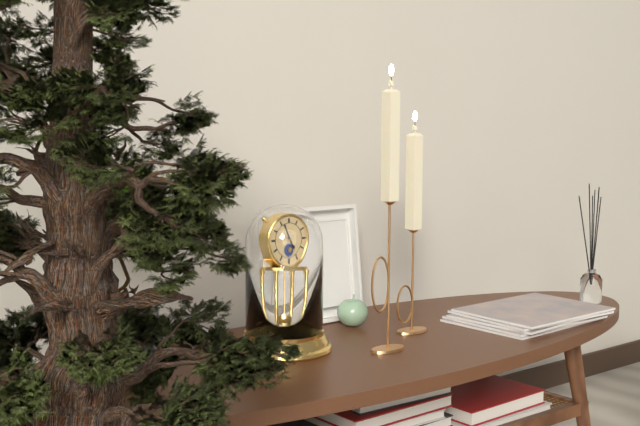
4:56
